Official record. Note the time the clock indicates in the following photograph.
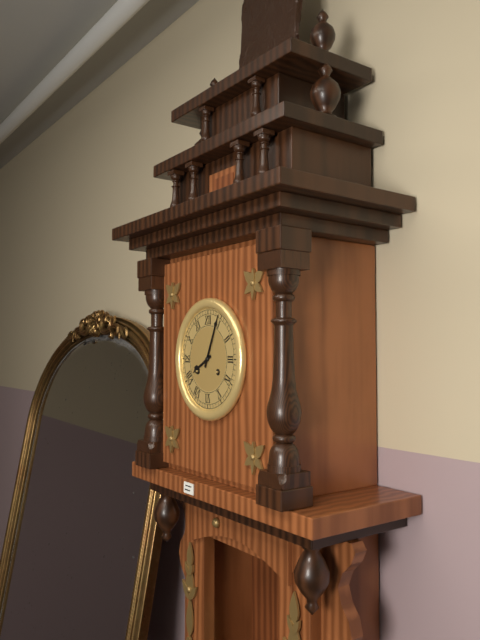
8:04
